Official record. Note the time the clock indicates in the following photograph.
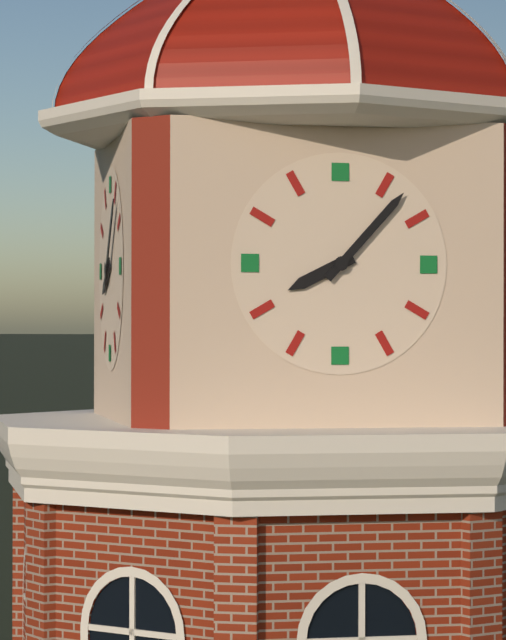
8:07
